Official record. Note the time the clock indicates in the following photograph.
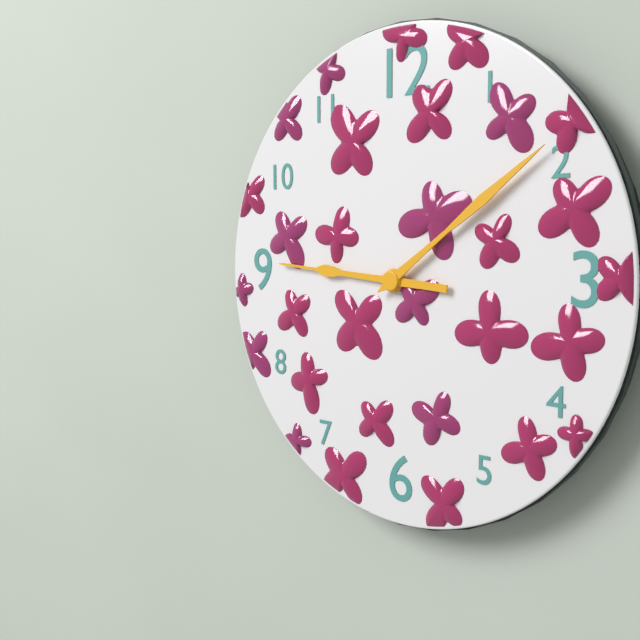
9:09
